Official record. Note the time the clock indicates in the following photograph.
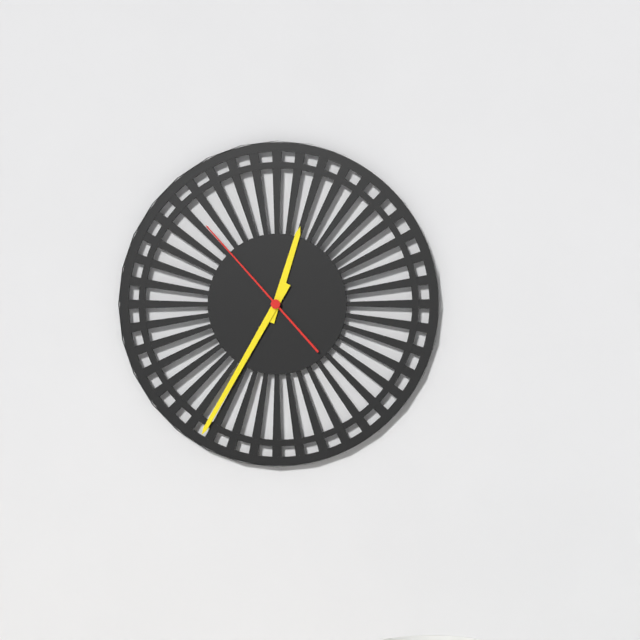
12:35:53
